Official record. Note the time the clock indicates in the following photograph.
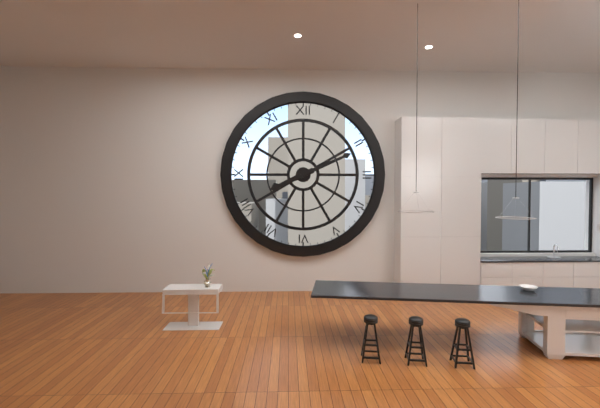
8:11
